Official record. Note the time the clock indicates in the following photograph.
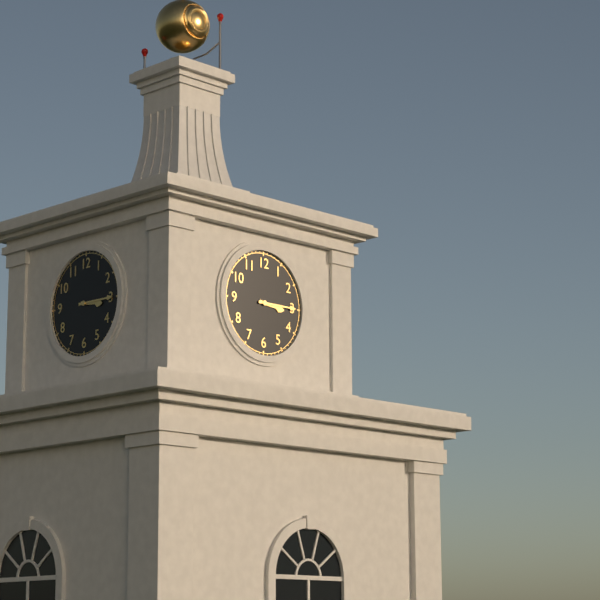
3:15
